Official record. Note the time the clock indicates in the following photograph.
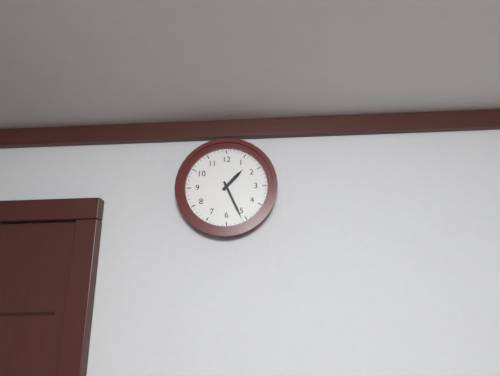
1:26
